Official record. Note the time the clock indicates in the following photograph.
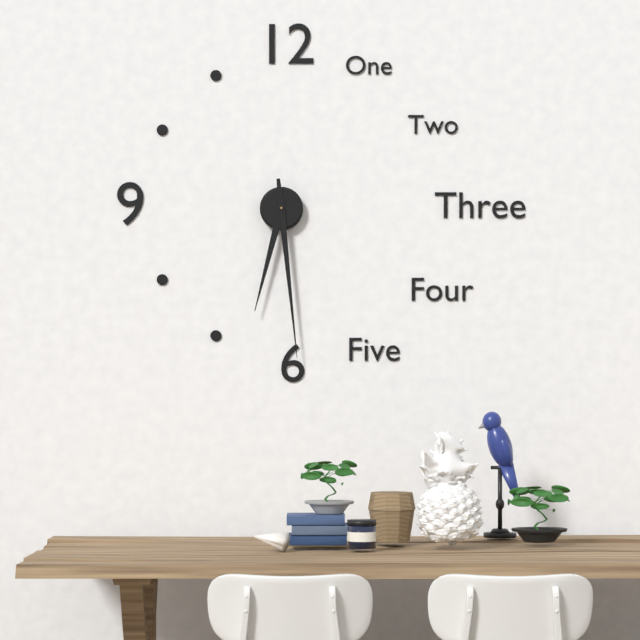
6:29
